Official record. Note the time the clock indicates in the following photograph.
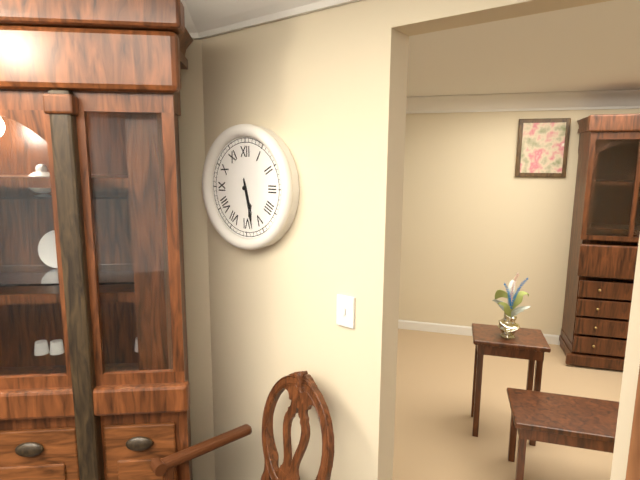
5:28
